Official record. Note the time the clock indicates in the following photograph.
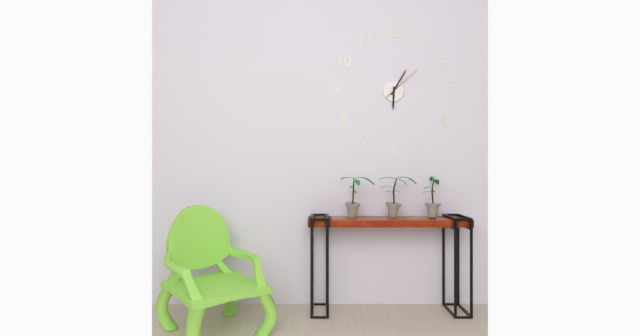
6:05
